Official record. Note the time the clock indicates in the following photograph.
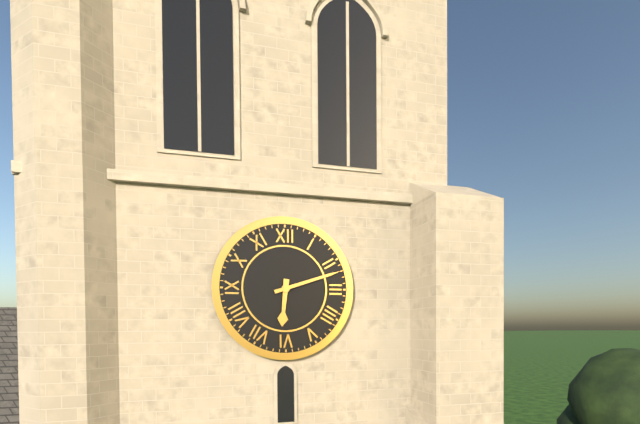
6:12
